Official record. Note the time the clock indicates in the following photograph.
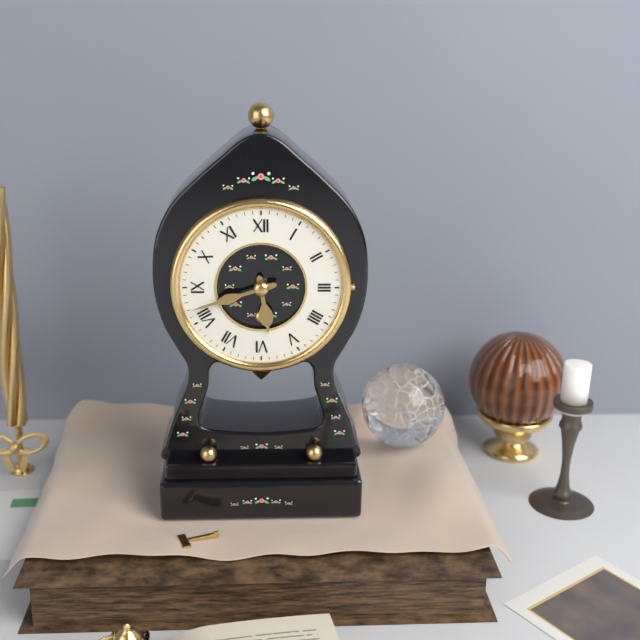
5:42
